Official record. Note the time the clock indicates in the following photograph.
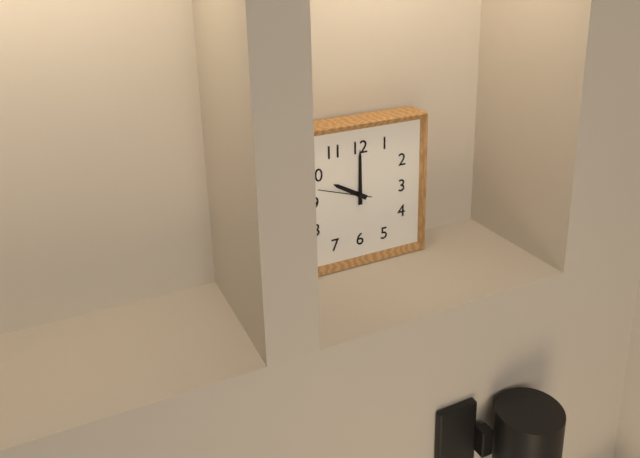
10:00:48
